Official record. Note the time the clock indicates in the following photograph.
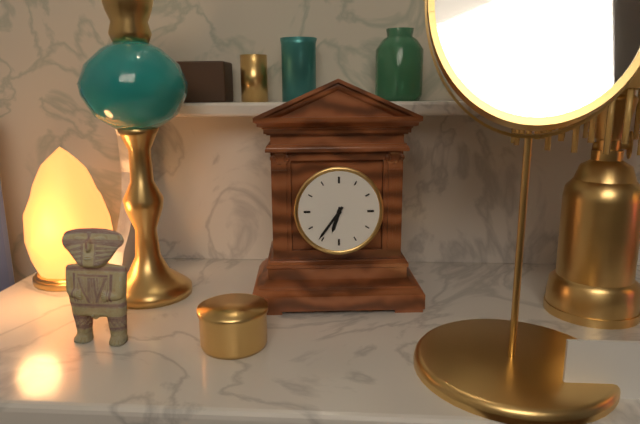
6:36
